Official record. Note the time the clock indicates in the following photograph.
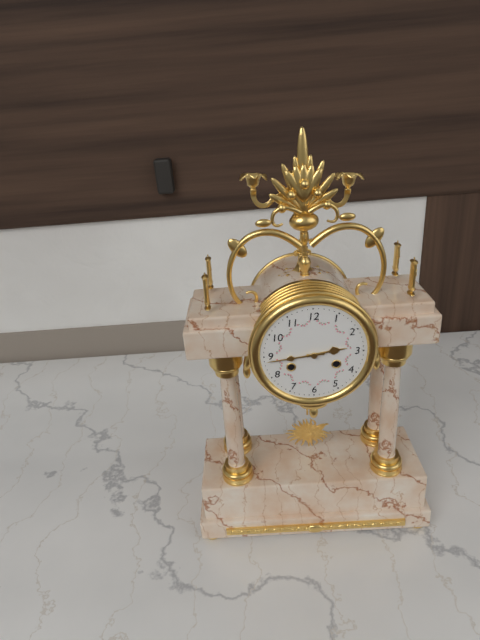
2:44
